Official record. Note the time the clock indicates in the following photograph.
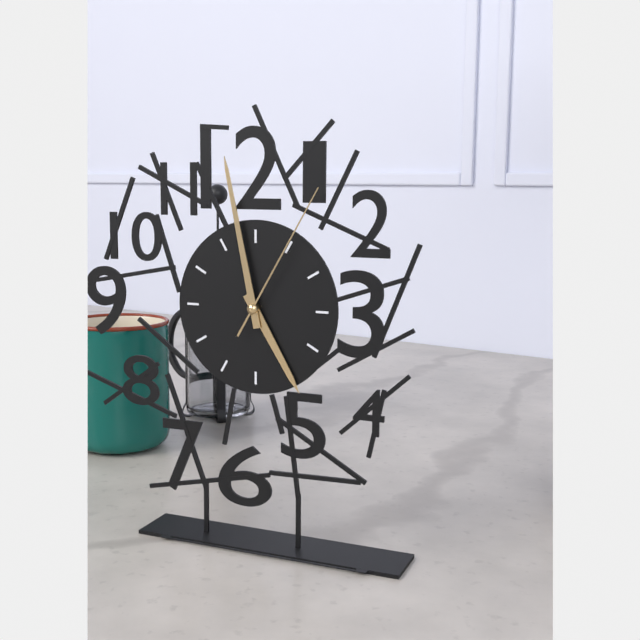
4:58:05
